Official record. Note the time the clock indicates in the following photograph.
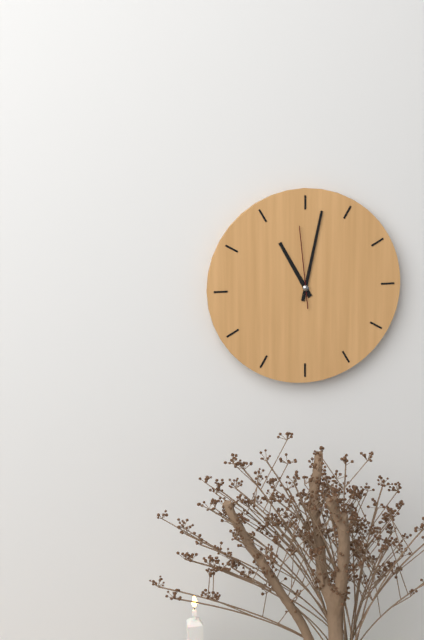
11:02:59
